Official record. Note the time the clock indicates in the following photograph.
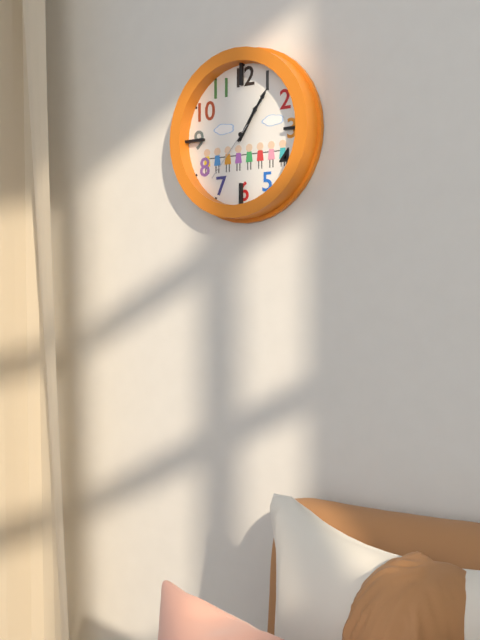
1:06:37
